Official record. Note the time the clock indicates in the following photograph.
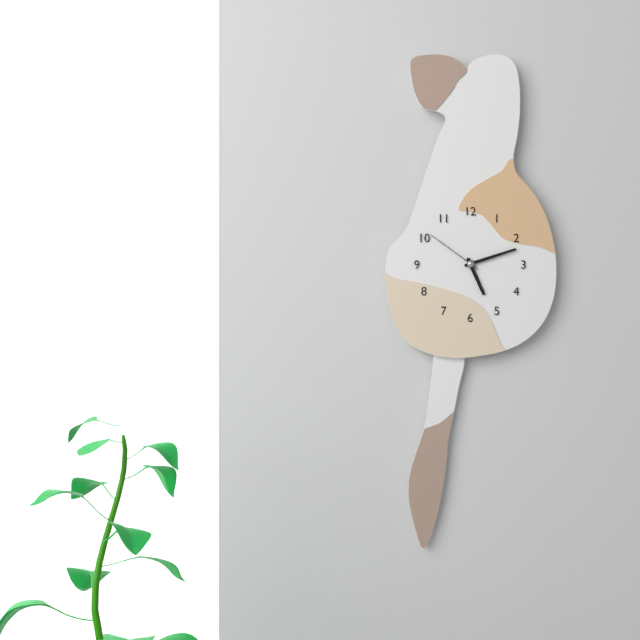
5:12:51
